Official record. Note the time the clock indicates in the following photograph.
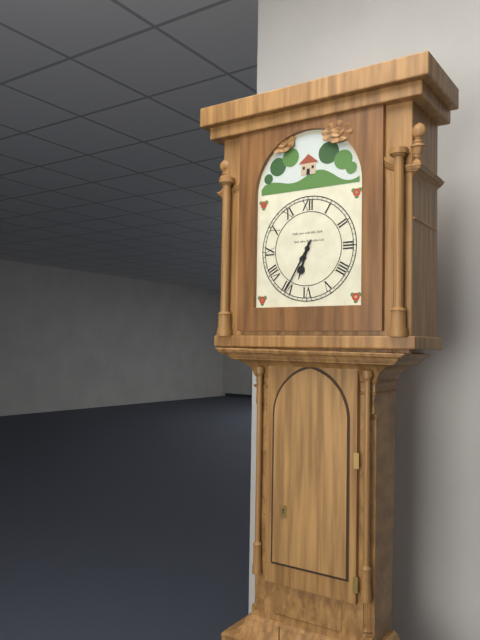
6:35
